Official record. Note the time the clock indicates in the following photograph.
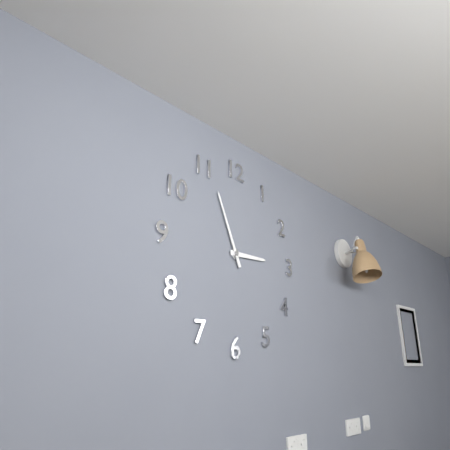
2:56
